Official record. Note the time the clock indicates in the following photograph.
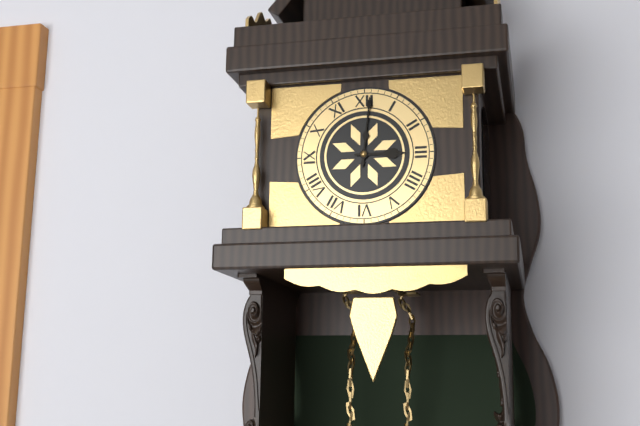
3:01
